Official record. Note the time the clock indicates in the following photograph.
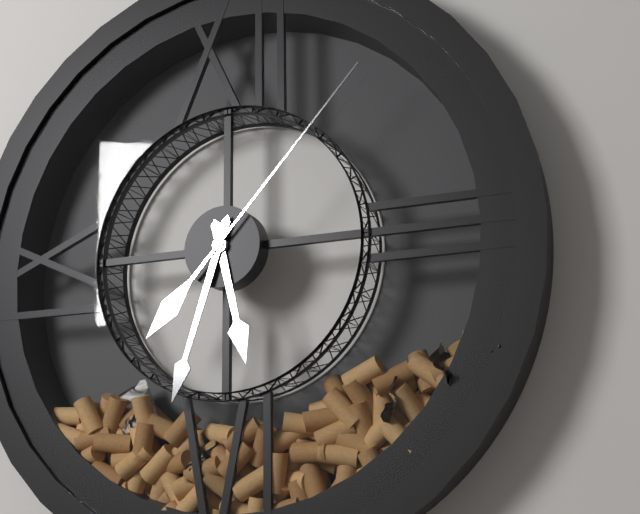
5:33:07
